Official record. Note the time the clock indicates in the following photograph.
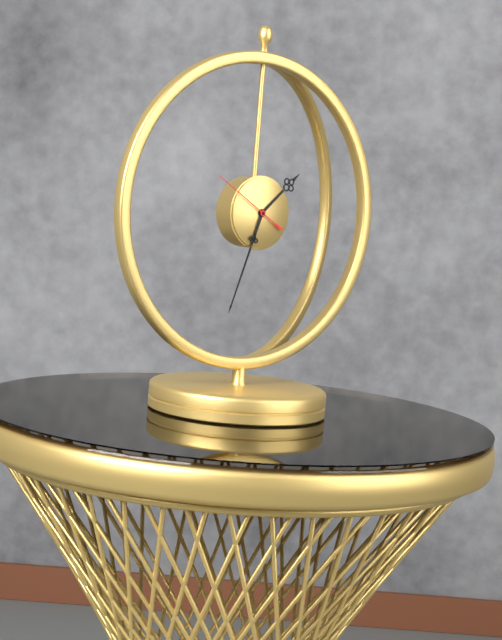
1:33:50
